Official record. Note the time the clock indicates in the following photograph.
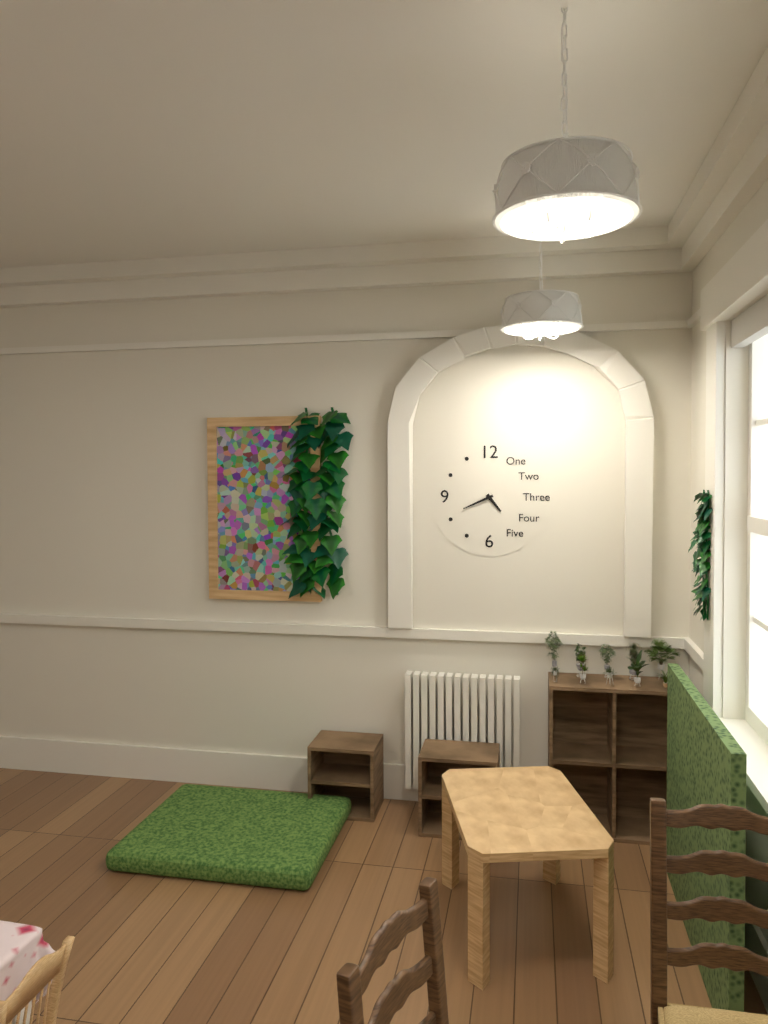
4:41
